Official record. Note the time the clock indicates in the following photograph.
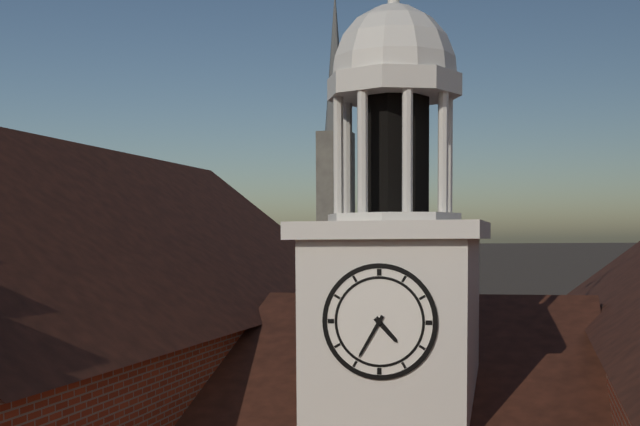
4:35
